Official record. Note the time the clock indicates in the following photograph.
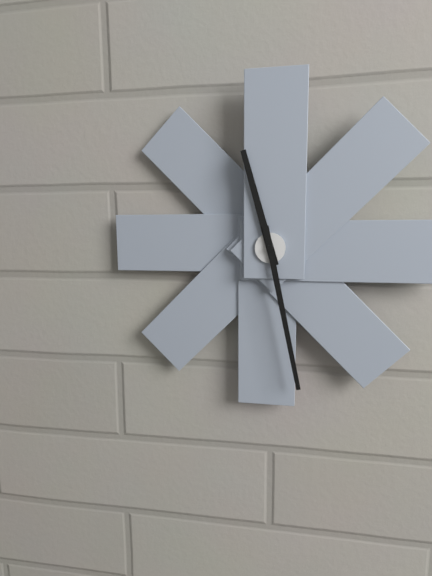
11:28
